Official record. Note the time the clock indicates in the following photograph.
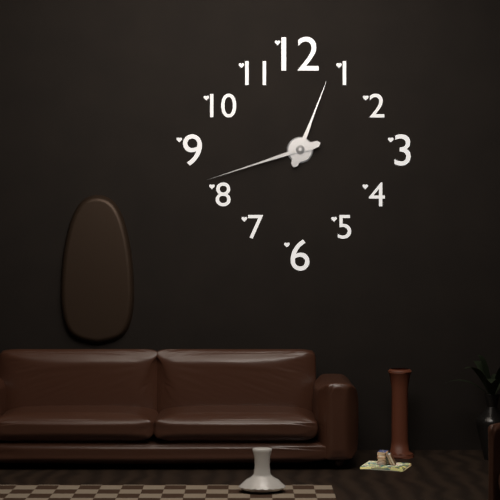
12:42
